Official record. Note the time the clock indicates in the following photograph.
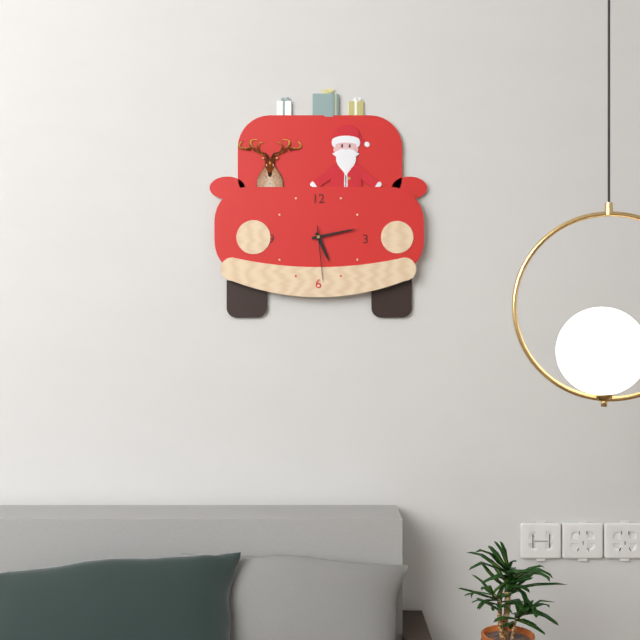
5:13:29
